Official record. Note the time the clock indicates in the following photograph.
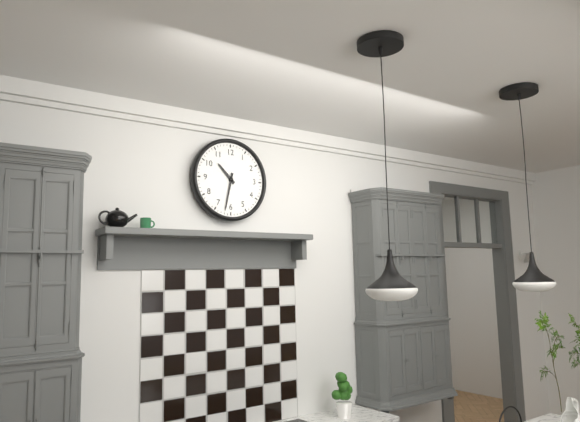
10:32
